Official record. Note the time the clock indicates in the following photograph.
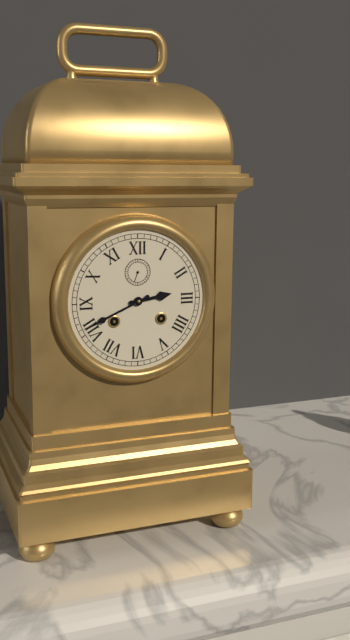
2:41
